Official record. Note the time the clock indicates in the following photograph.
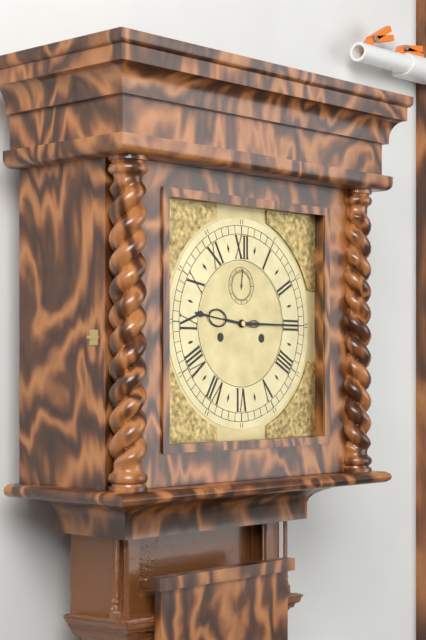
9:15
